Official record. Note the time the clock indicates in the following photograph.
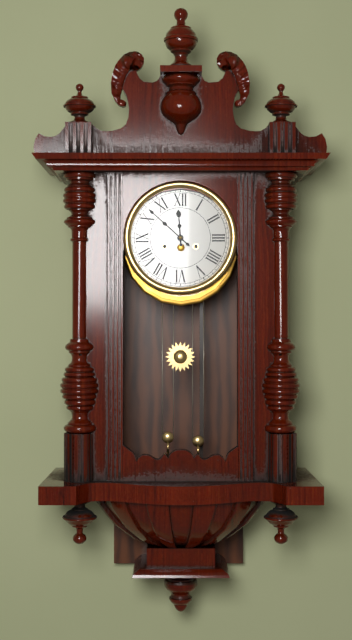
11:52
